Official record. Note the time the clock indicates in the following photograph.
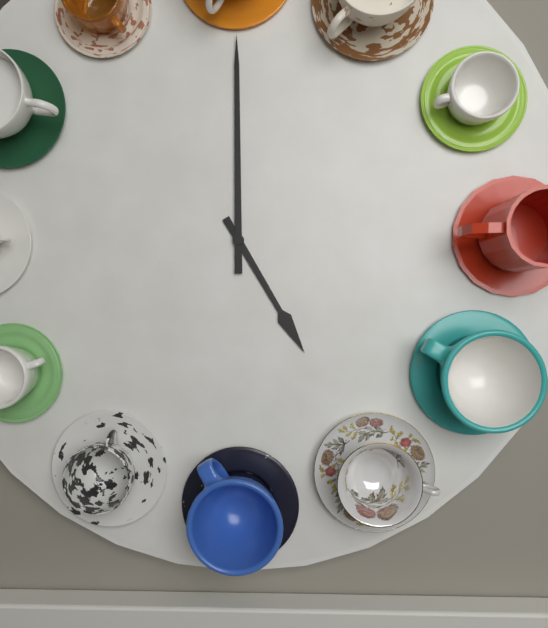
5:00
